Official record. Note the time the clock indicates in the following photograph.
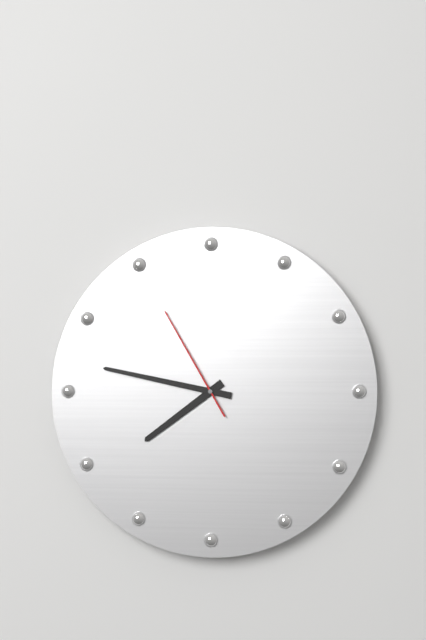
7:47:55
